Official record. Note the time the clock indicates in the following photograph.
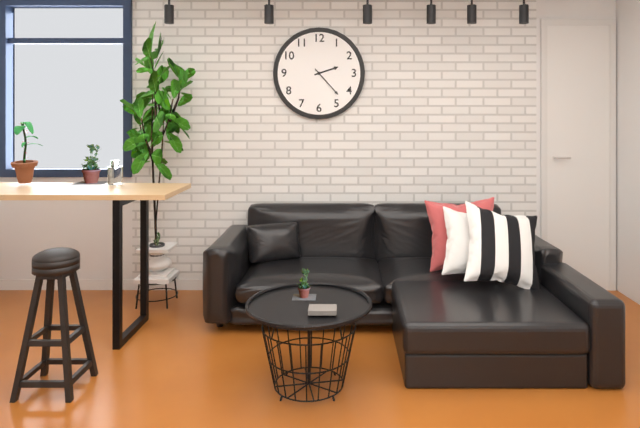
2:23
